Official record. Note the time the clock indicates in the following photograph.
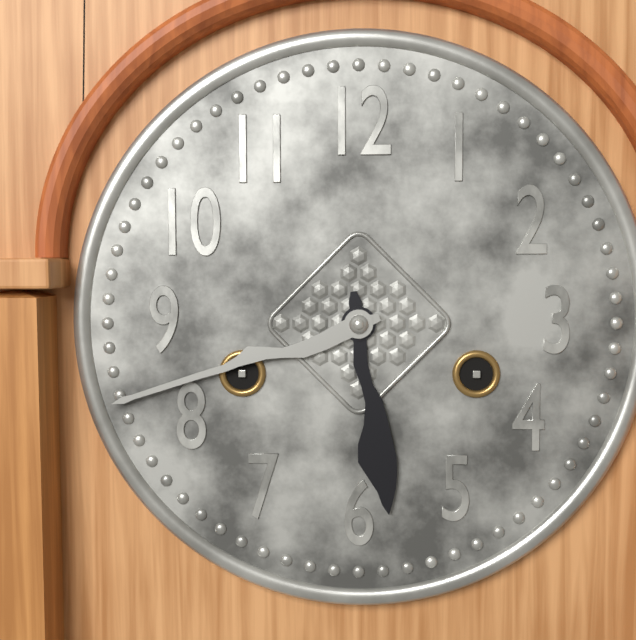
5:42
